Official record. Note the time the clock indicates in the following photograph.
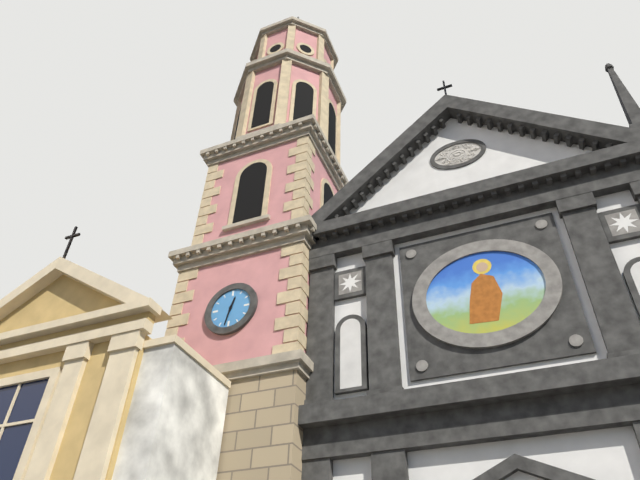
12:32
